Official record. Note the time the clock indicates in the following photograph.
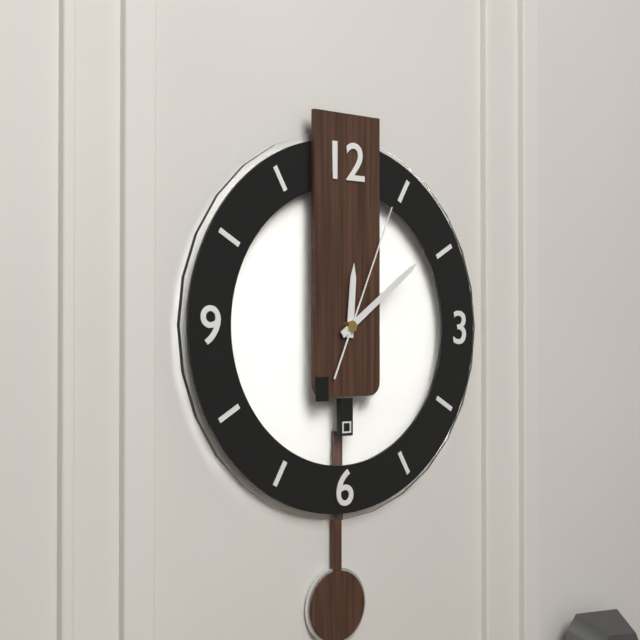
12:09:04
